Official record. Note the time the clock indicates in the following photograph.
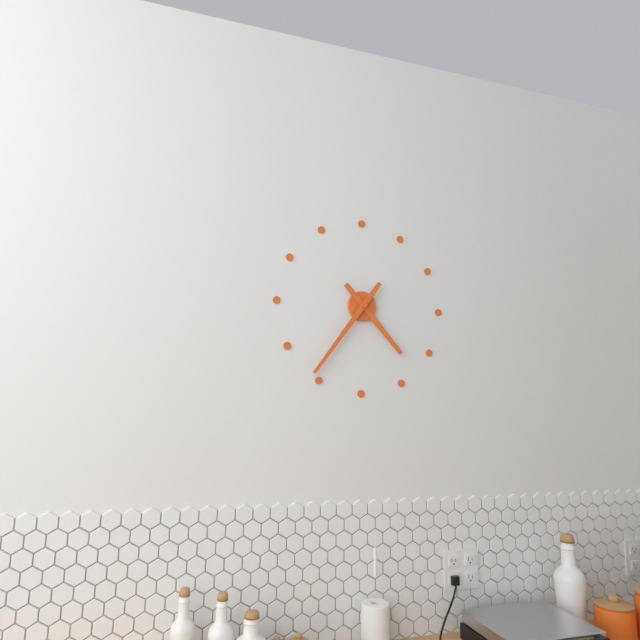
4:36
